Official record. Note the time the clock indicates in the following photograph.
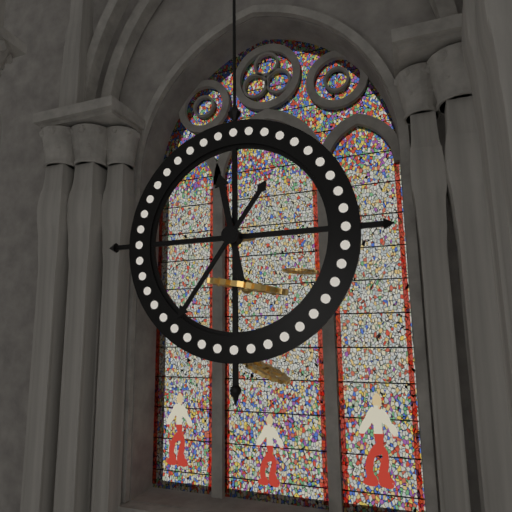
11:36
